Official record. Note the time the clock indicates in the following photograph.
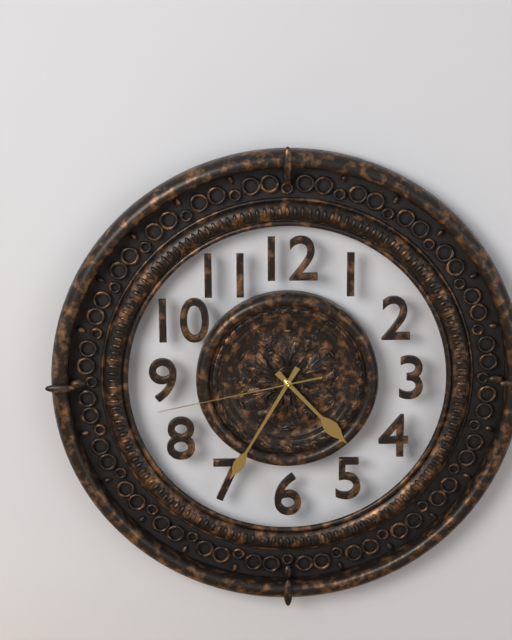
4:35:43
